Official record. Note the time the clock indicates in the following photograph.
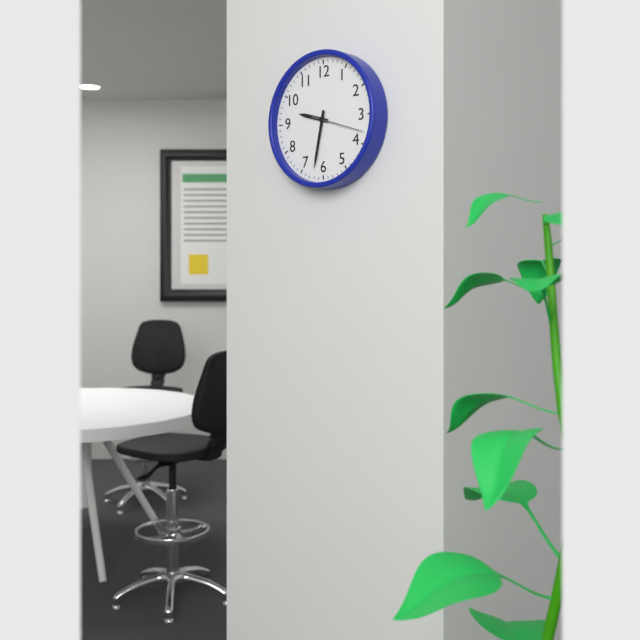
9:32
